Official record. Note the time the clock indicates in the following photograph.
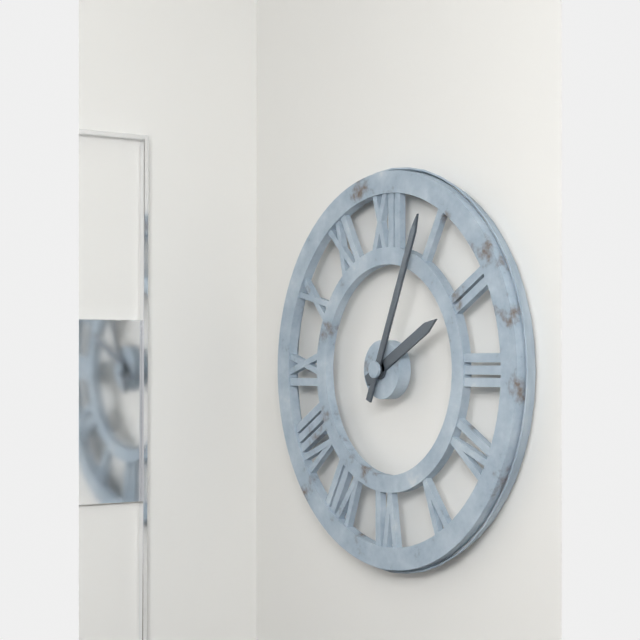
2:04
